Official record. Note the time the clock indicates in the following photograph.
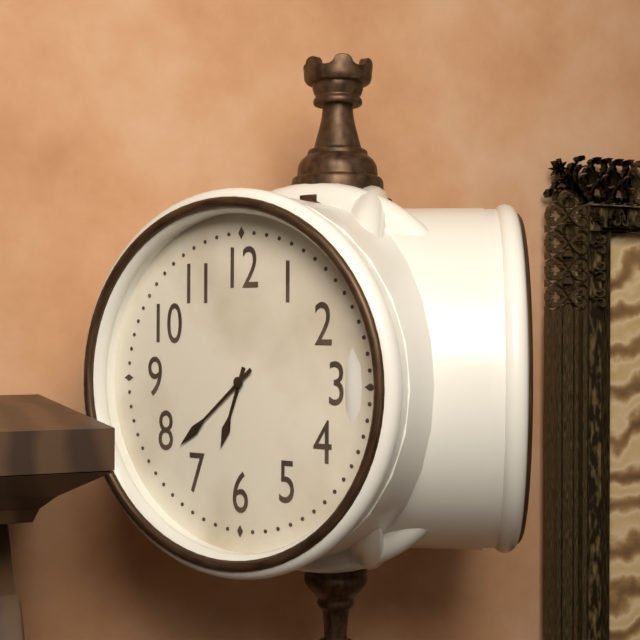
6:38
